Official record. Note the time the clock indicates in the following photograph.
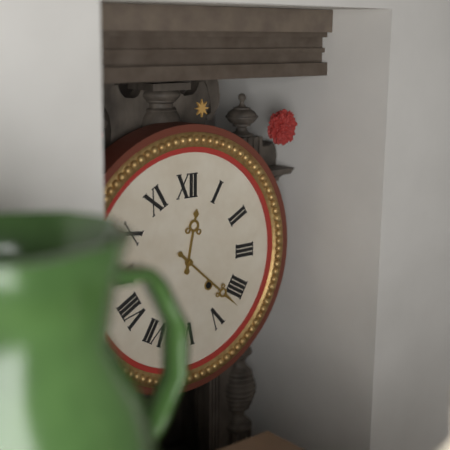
12:22
